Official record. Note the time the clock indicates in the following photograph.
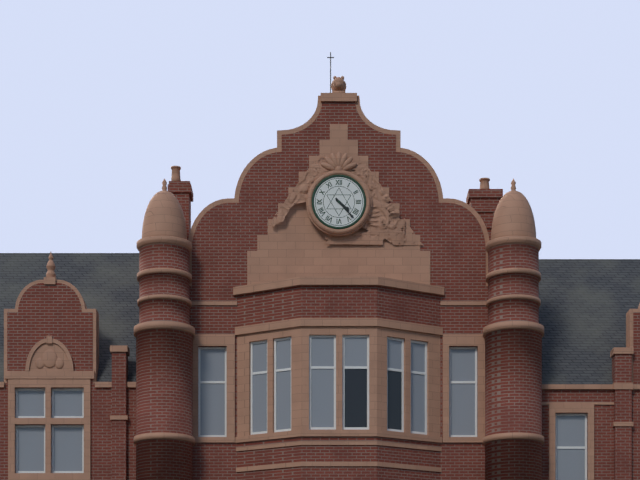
4:23
